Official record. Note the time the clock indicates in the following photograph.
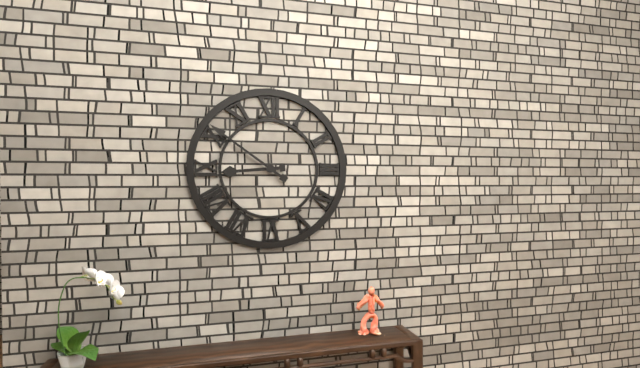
8:51
